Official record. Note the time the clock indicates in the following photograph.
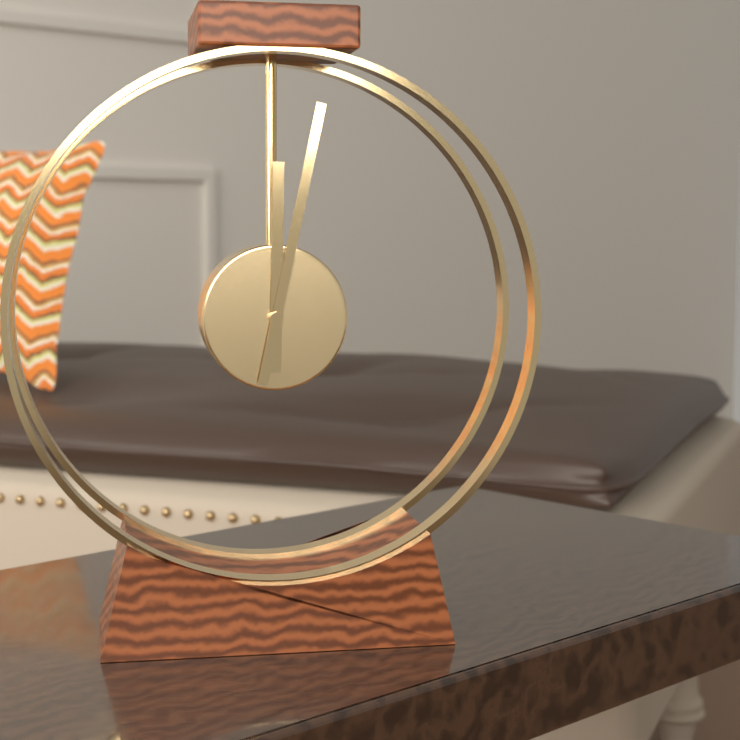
12:02
